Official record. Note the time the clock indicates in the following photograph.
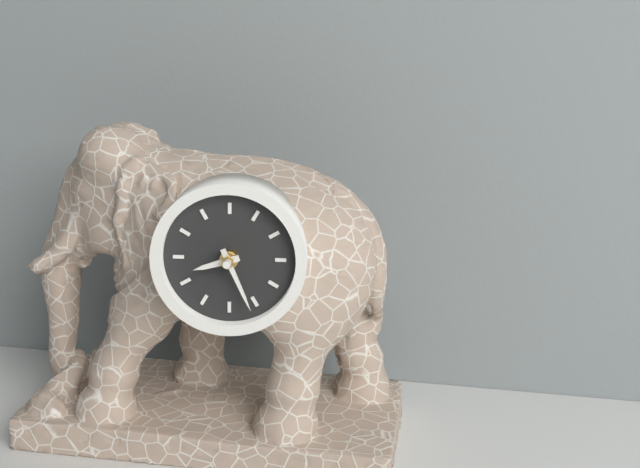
8:26
